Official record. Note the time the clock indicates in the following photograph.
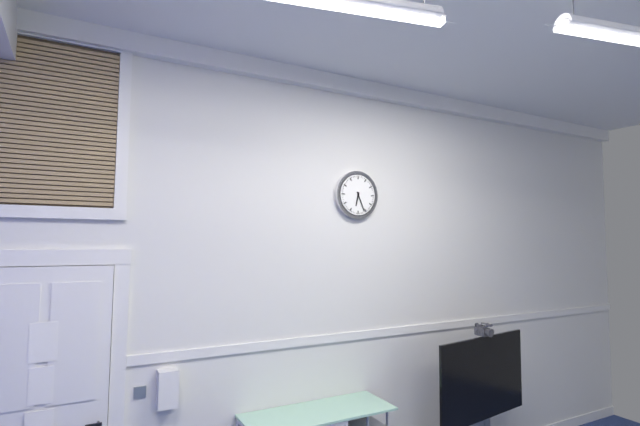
6:26
